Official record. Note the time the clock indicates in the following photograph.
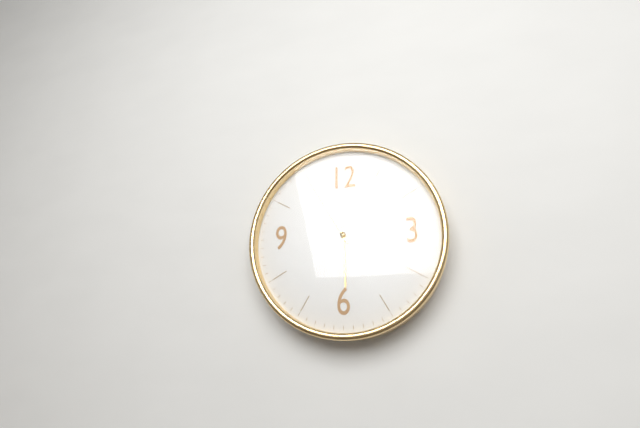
5:55
